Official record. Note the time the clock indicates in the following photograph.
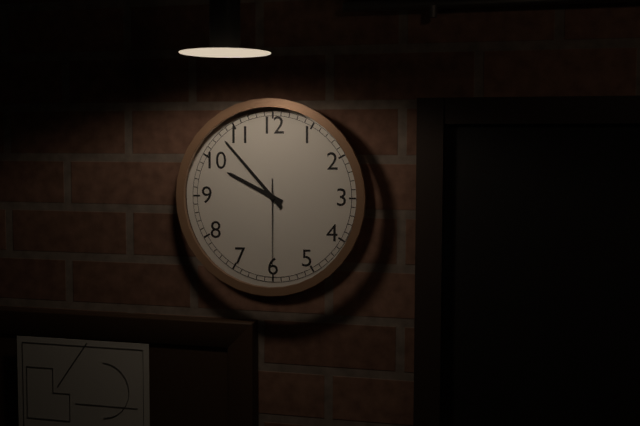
9:53:30
